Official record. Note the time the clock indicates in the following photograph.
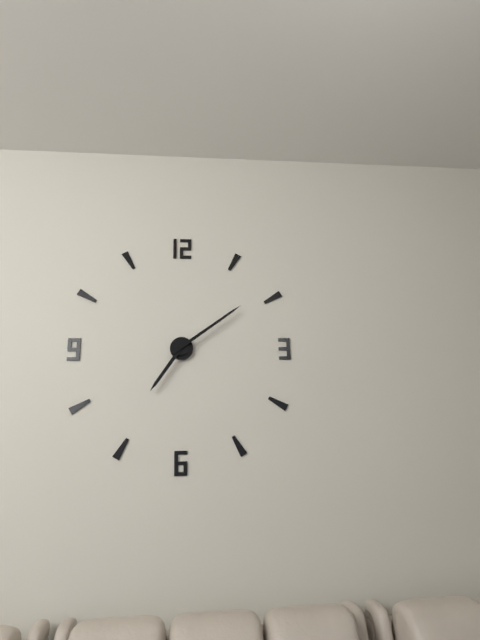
7:09
